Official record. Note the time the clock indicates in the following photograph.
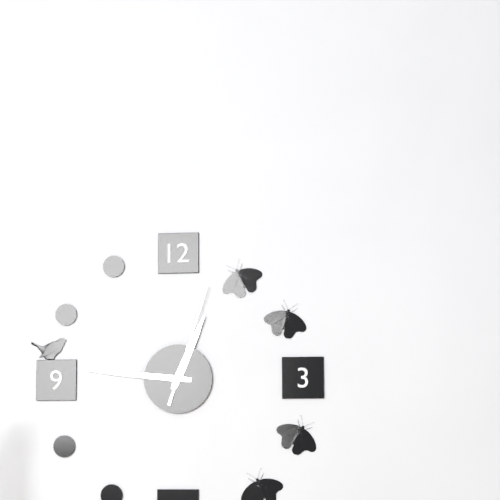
12:46:03
